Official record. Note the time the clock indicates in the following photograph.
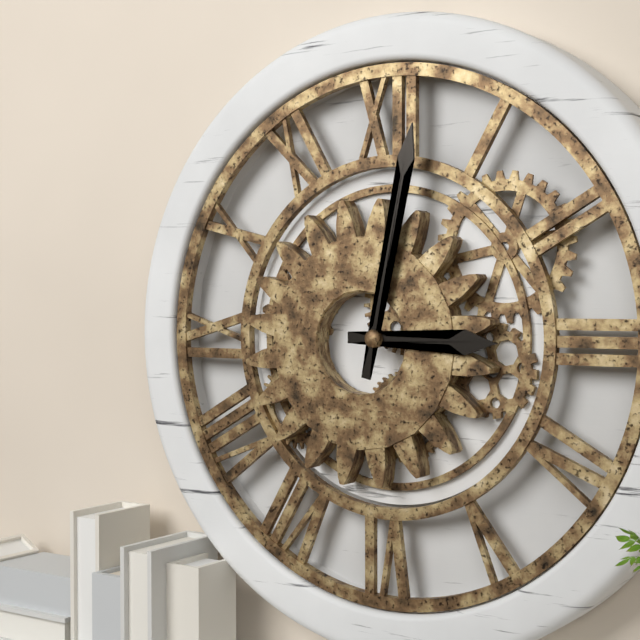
3:02
